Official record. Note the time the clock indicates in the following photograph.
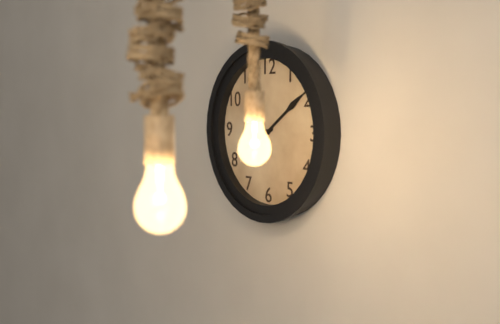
8:09
